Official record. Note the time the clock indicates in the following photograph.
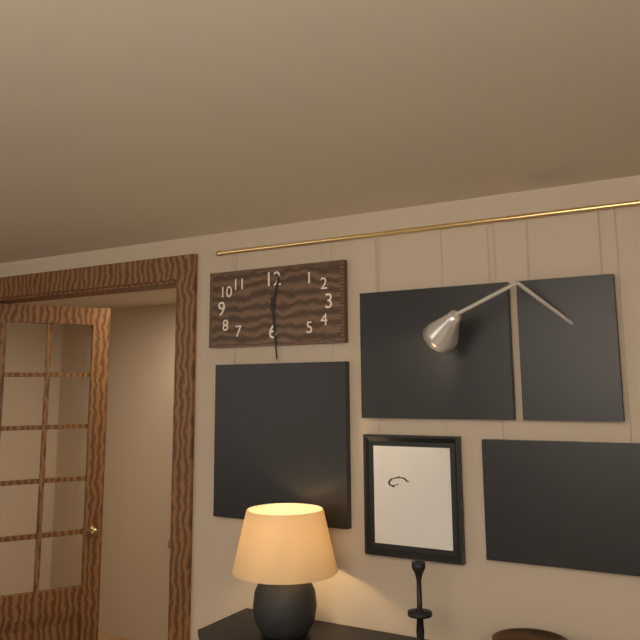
12:29
